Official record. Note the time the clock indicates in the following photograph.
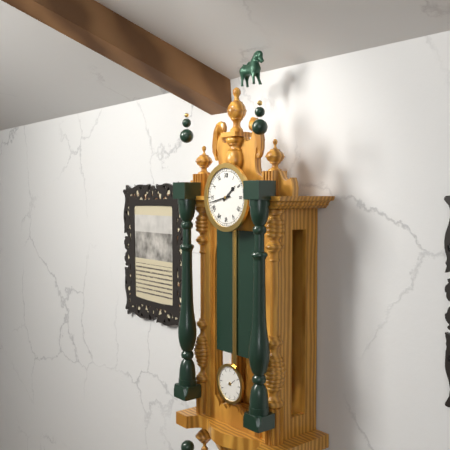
1:43
